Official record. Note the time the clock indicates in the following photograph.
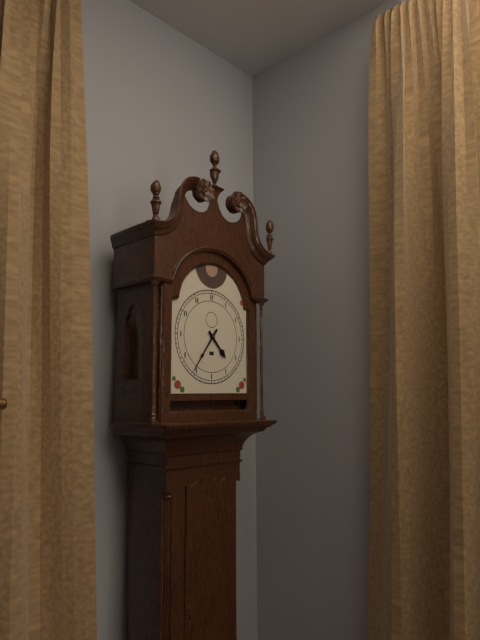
4:36
